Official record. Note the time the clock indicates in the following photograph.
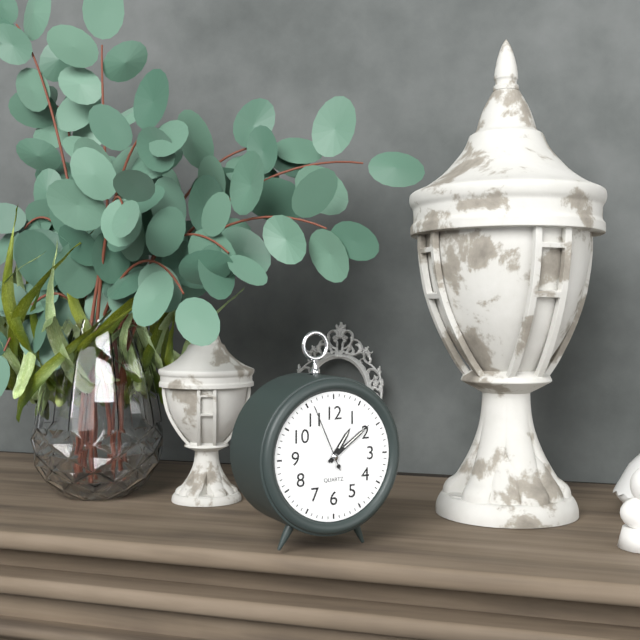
1:09:56
